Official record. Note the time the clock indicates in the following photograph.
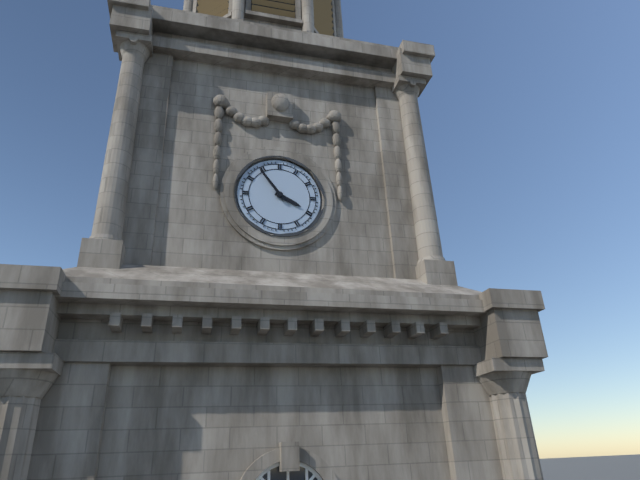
3:54
